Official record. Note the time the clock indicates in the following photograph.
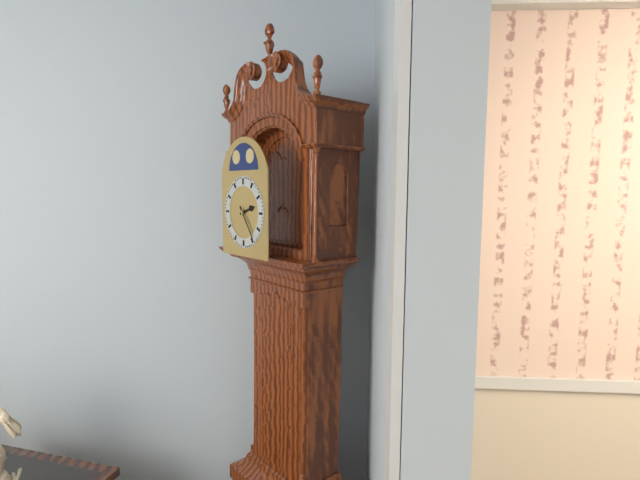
2:24
